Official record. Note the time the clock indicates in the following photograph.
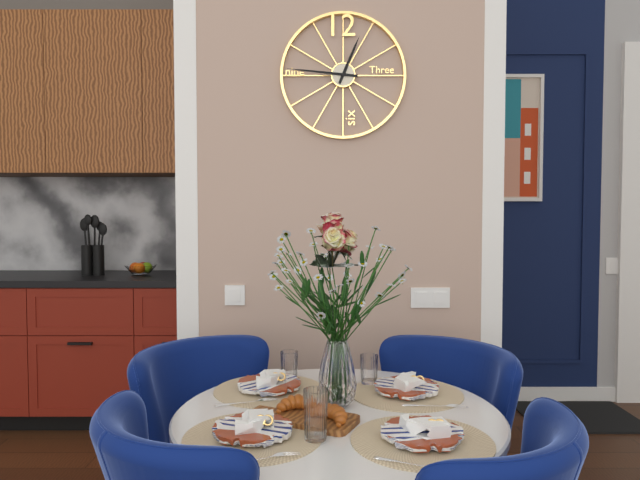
12:46
